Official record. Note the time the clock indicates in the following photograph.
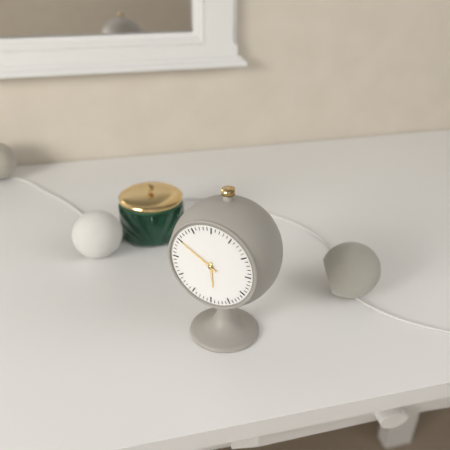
5:50
